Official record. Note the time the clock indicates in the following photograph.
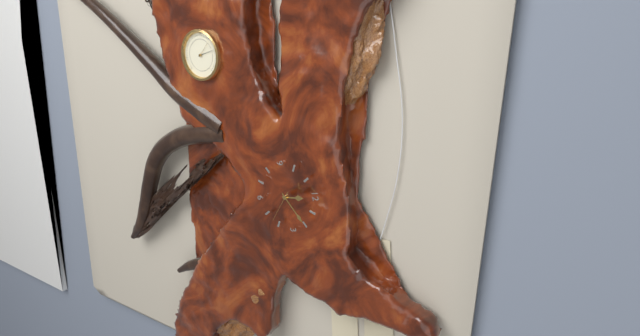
12:10
